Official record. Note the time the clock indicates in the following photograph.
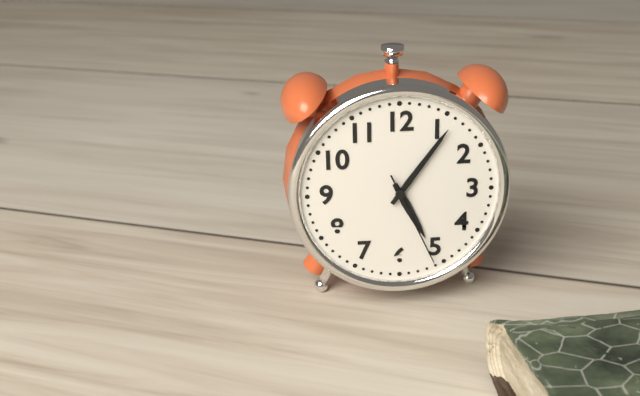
5:06:26
